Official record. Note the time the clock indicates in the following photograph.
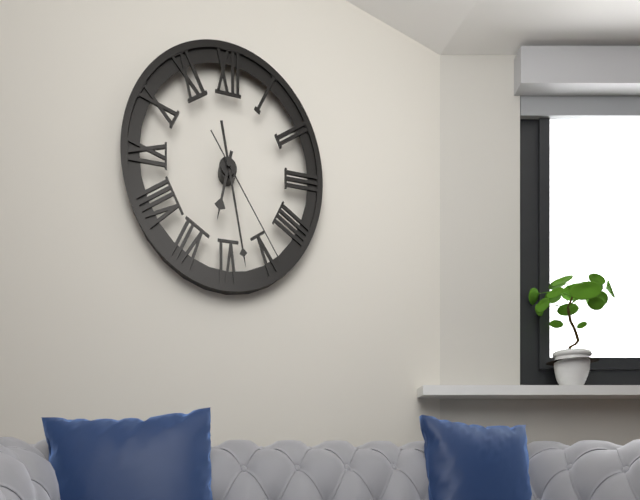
6:28:24
